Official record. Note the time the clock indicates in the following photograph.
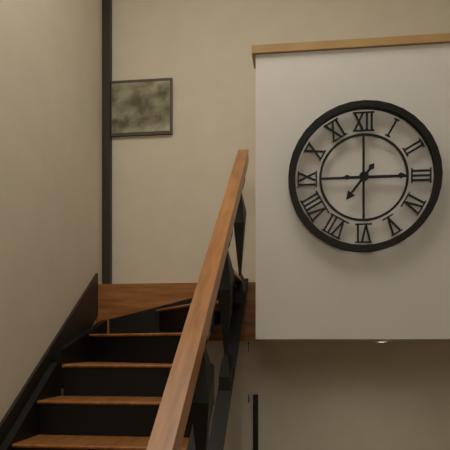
7:15
